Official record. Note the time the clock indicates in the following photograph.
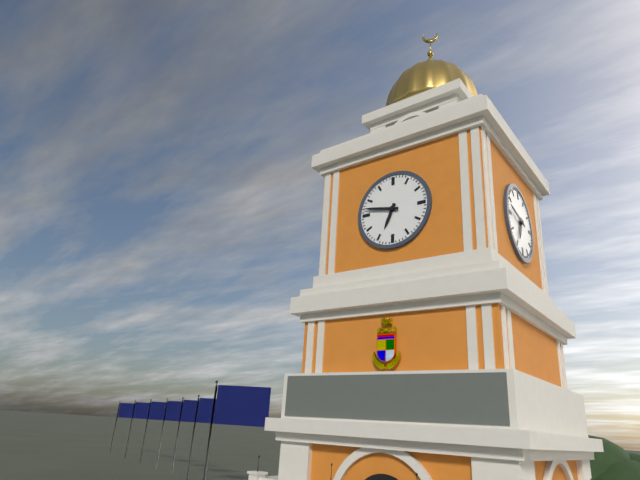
6:47
